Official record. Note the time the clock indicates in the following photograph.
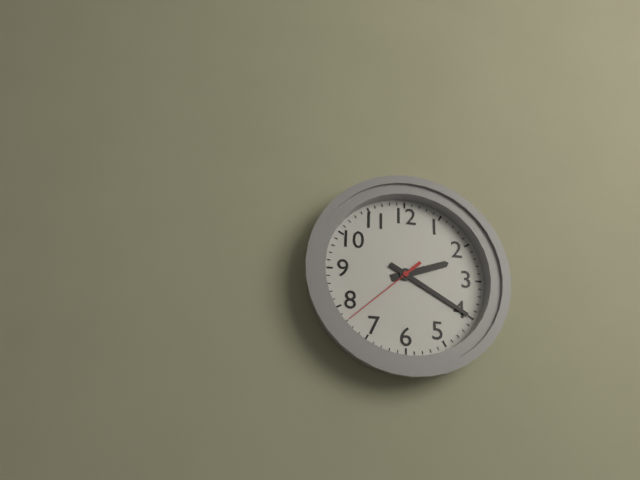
2:20:38
